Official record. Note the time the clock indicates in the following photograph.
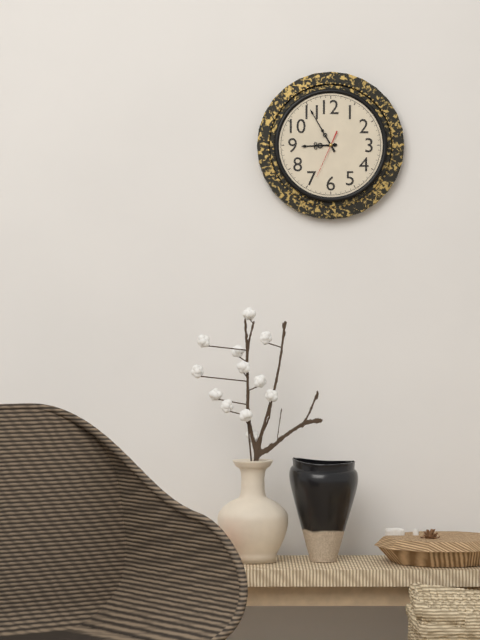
8:55
